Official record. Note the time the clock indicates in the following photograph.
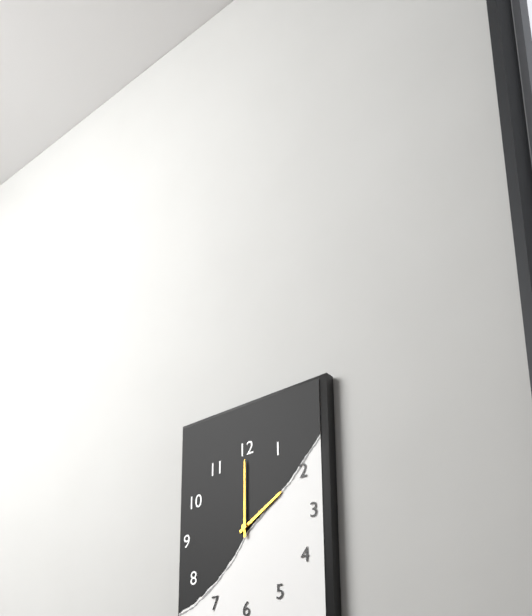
2:00
